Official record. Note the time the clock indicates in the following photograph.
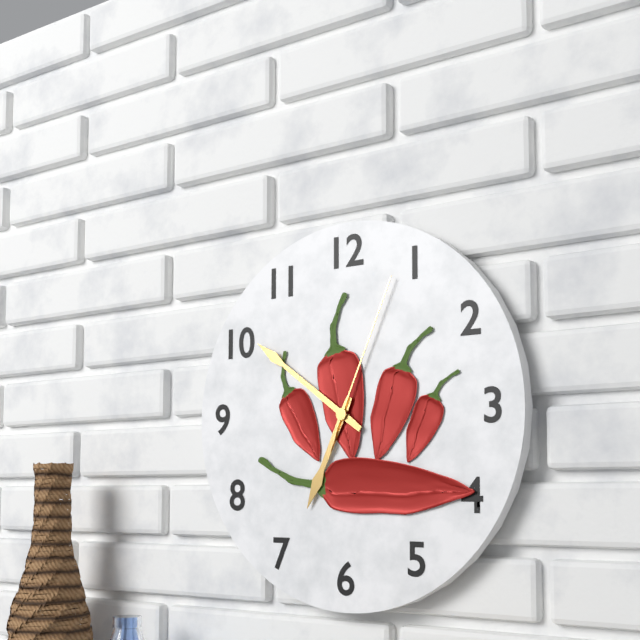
6:51:04
